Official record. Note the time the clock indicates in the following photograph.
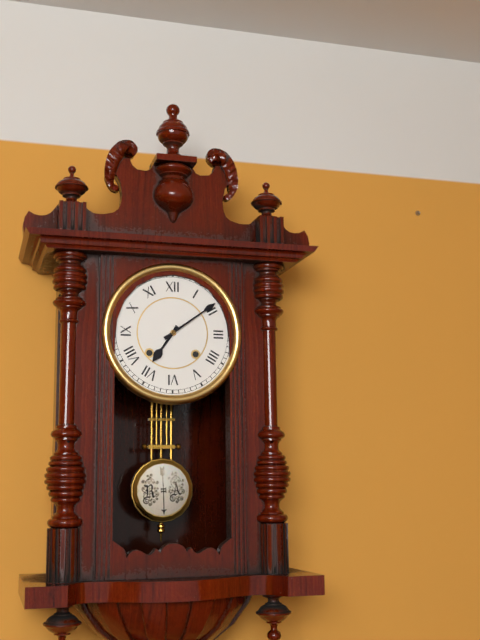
7:09
